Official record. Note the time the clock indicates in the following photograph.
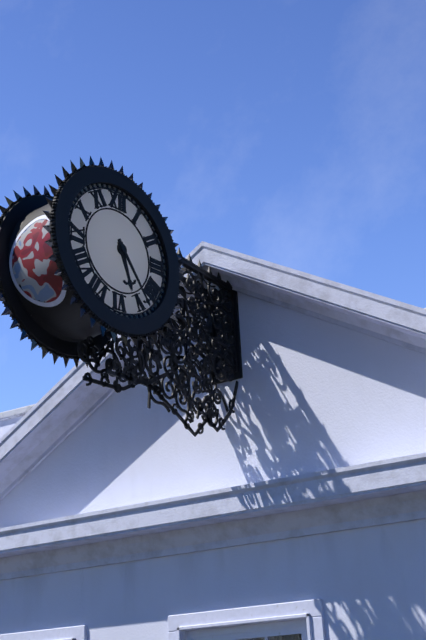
5:24
